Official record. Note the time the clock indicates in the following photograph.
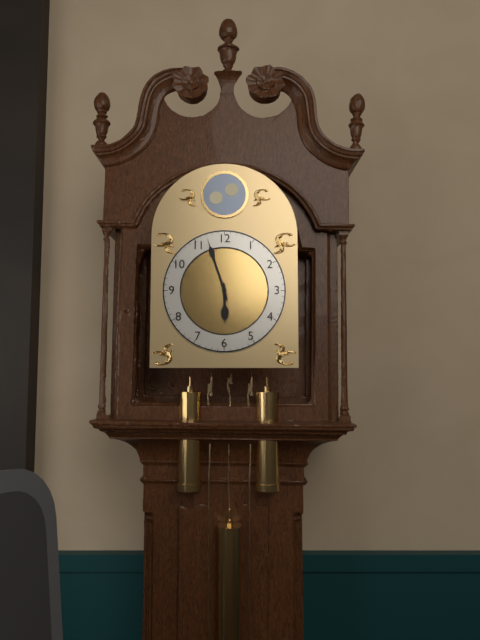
5:57
